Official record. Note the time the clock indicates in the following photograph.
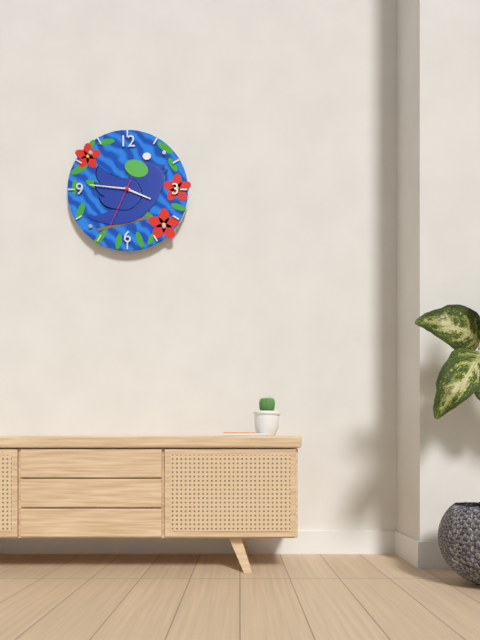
3:46:34
